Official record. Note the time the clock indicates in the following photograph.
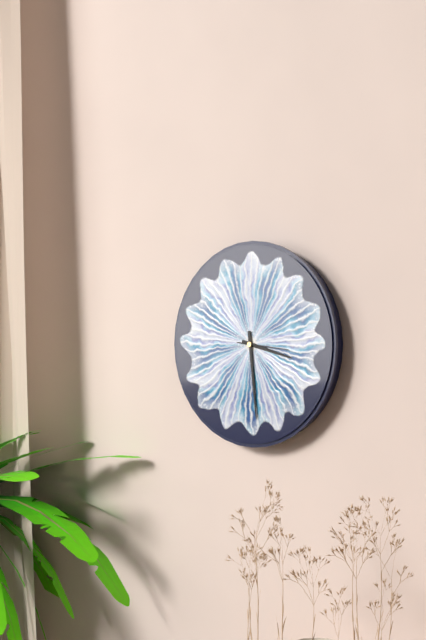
3:29
